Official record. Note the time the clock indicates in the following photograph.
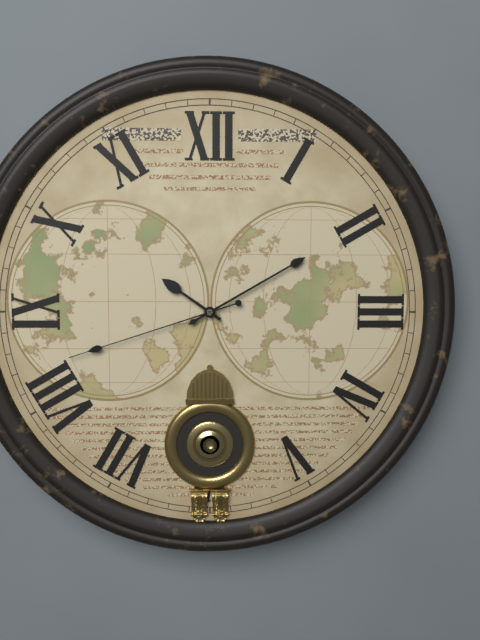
10:10:42
